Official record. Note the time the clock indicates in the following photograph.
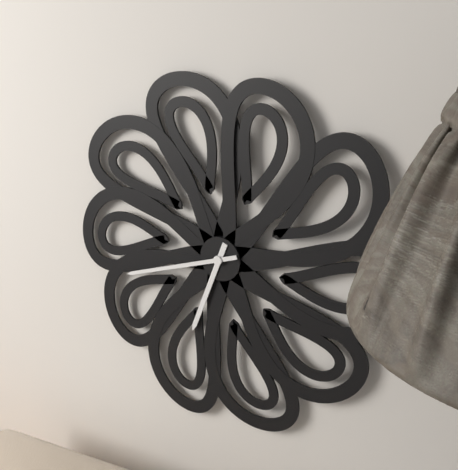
6:42
